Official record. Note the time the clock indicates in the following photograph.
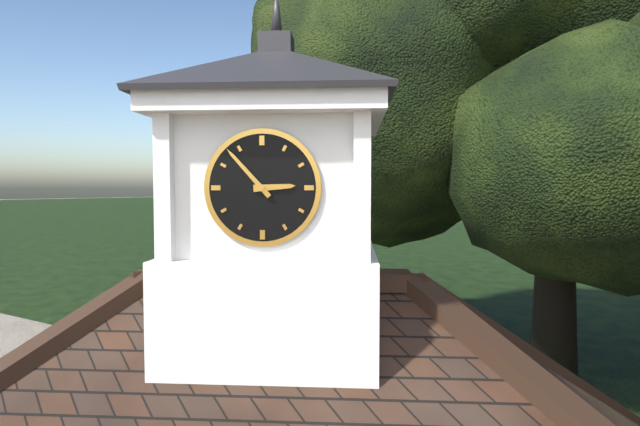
2:53
